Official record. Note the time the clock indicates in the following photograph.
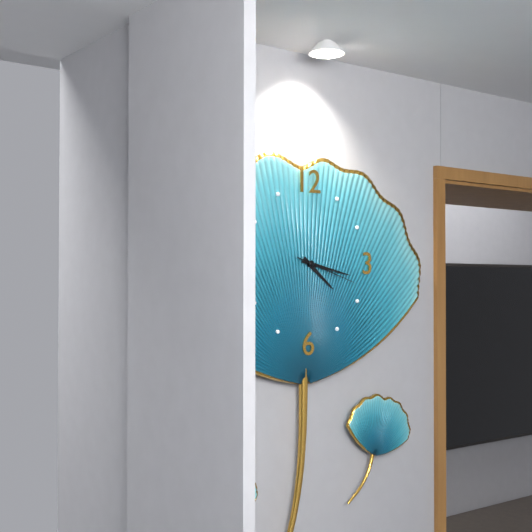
4:17:18
